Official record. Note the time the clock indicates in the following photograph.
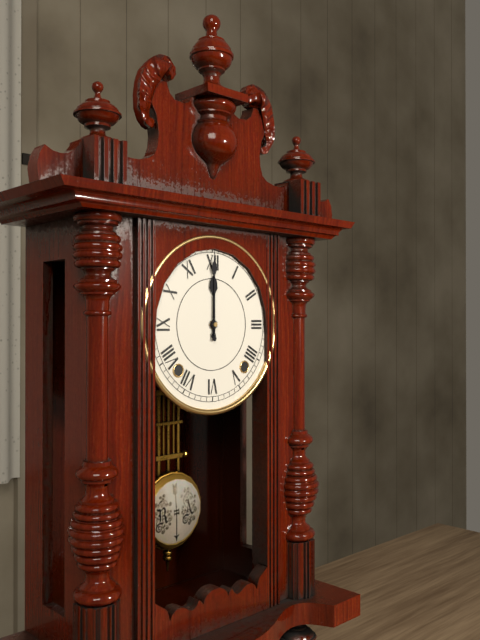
12:00
